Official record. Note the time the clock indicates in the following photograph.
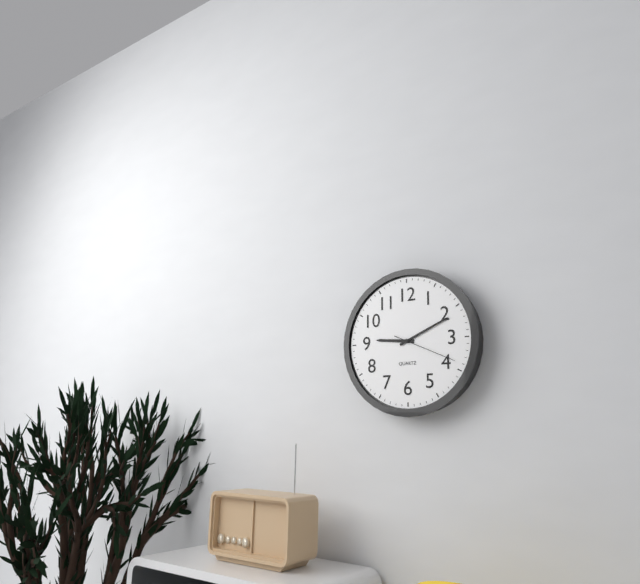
9:11:19
